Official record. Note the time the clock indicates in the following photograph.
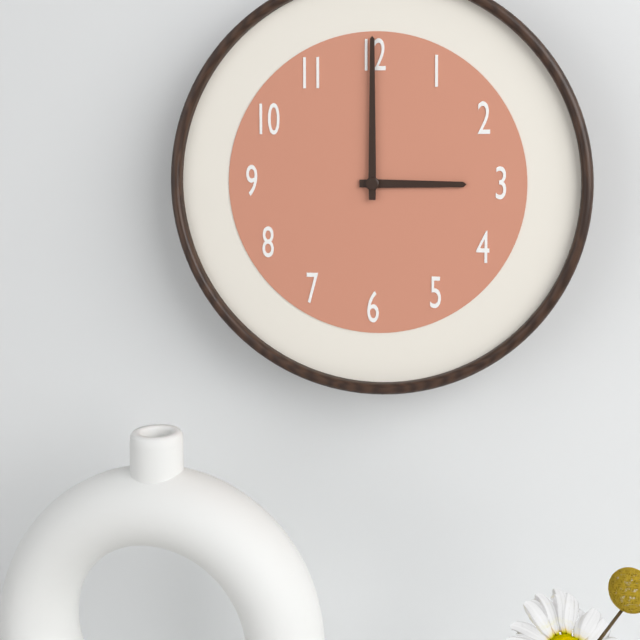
3:00
